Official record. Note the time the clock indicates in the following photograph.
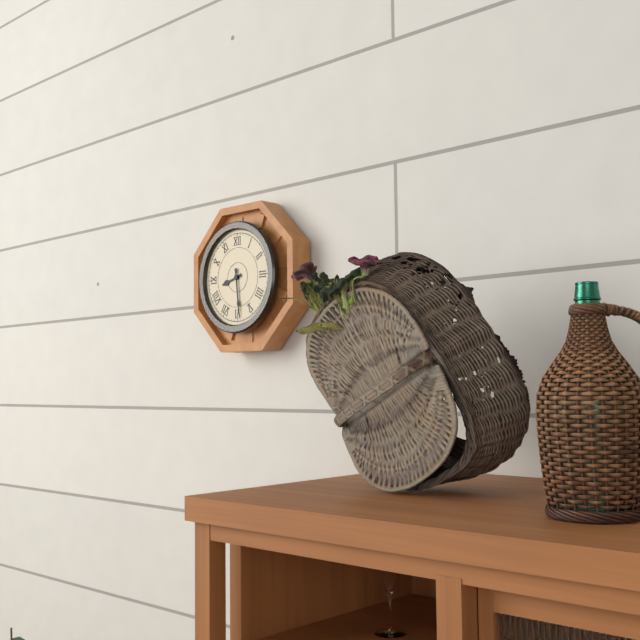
8:29
